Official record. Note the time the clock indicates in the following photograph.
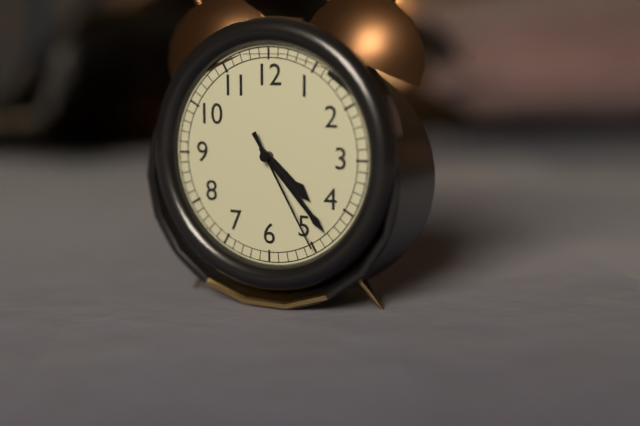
4:23:25
